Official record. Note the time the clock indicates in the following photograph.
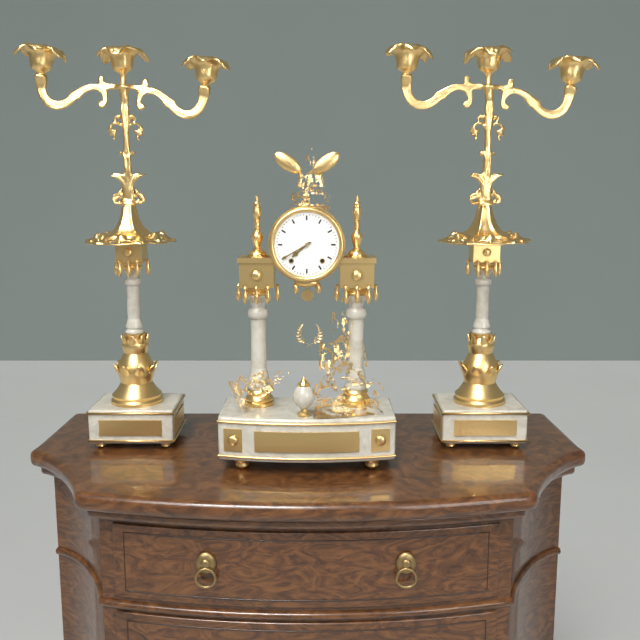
7:40
